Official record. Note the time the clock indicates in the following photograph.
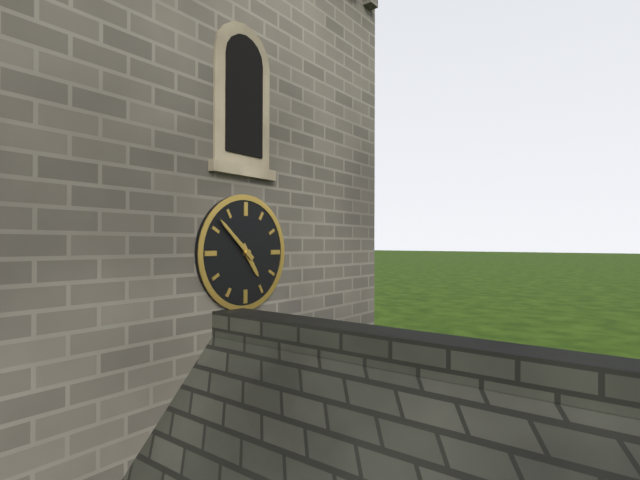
4:52
